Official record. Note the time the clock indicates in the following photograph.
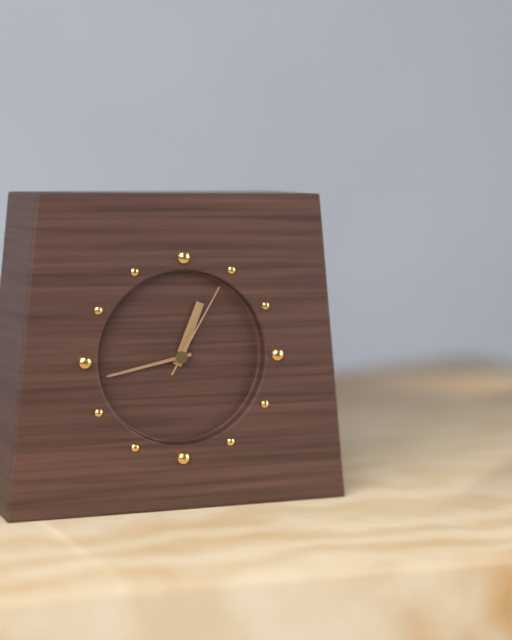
12:43:05
